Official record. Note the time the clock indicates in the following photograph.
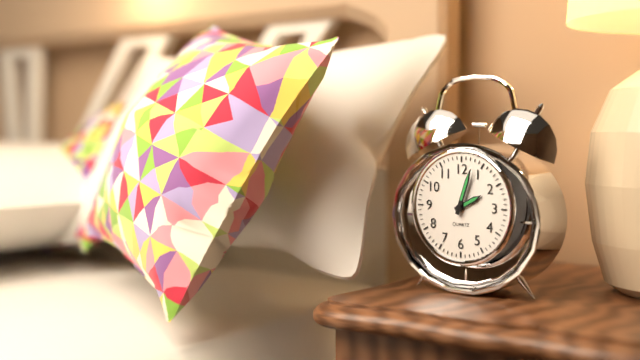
2:03
